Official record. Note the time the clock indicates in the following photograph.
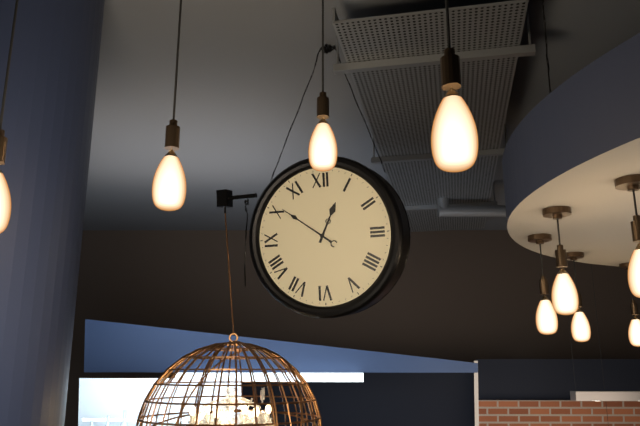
12:51
